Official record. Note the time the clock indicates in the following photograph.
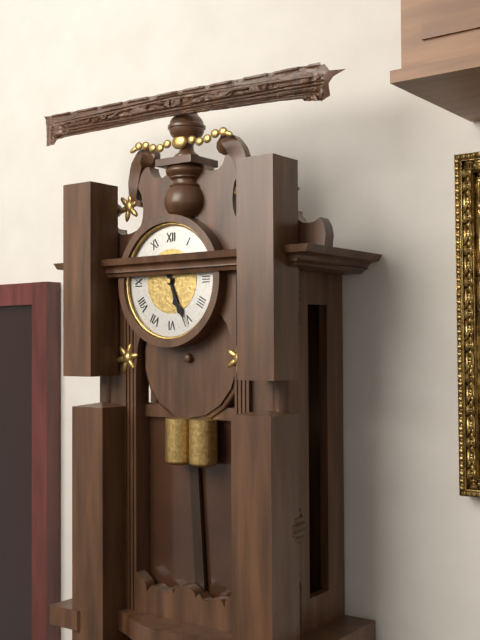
5:26
